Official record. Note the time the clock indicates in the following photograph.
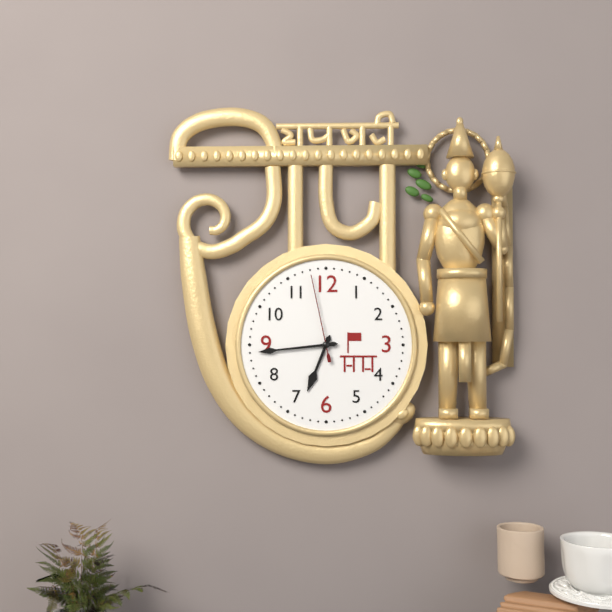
6:44:58
